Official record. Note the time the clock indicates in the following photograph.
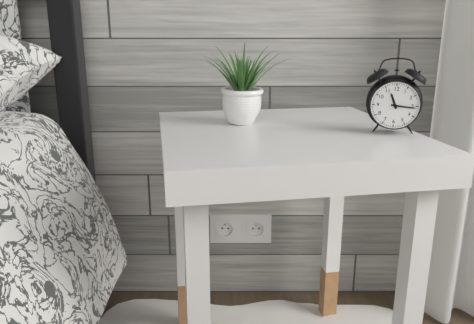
11:16
